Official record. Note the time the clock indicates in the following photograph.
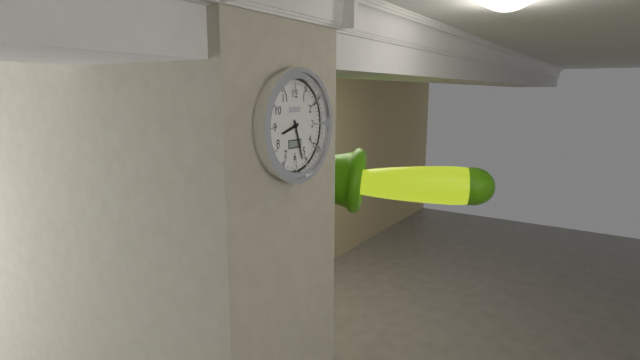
8:27
